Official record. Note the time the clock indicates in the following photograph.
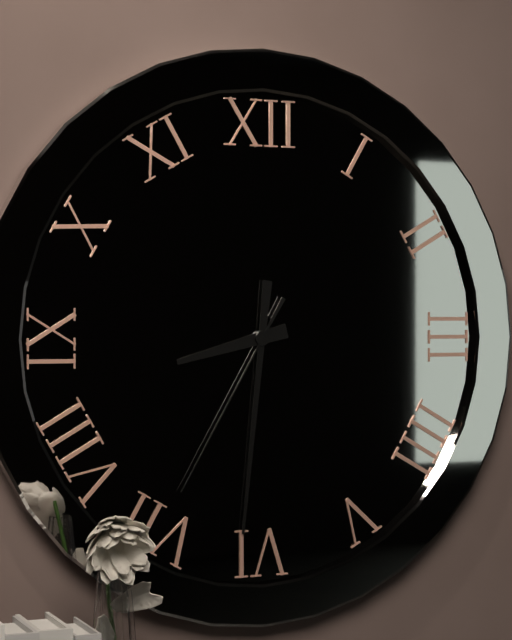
8:31:35
